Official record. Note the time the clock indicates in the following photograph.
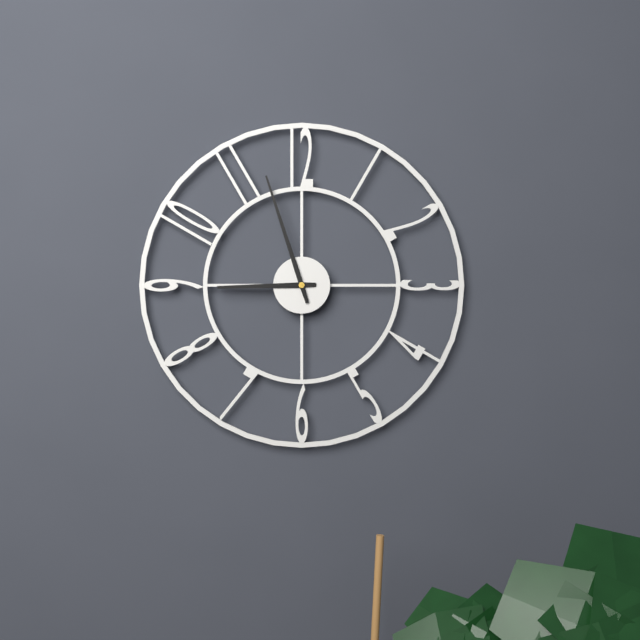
8:57
